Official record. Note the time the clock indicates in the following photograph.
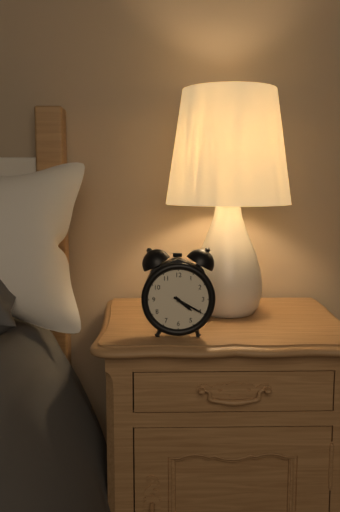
4:20
